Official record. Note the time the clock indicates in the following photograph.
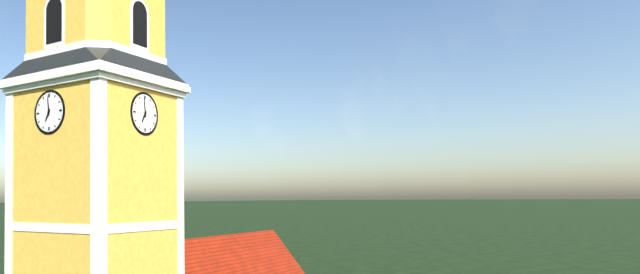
6:59
